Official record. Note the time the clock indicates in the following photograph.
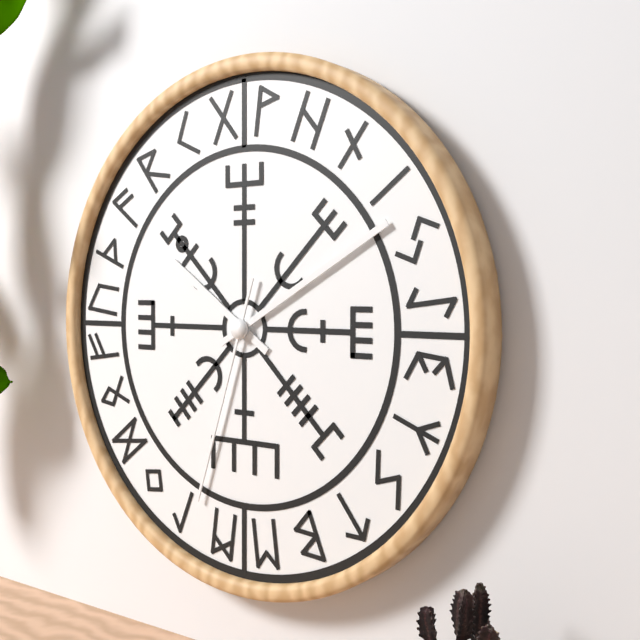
10:10:33
